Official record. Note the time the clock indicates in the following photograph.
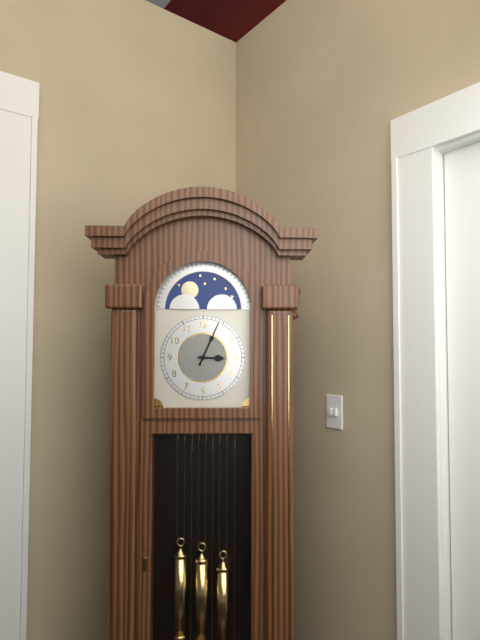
3:04
